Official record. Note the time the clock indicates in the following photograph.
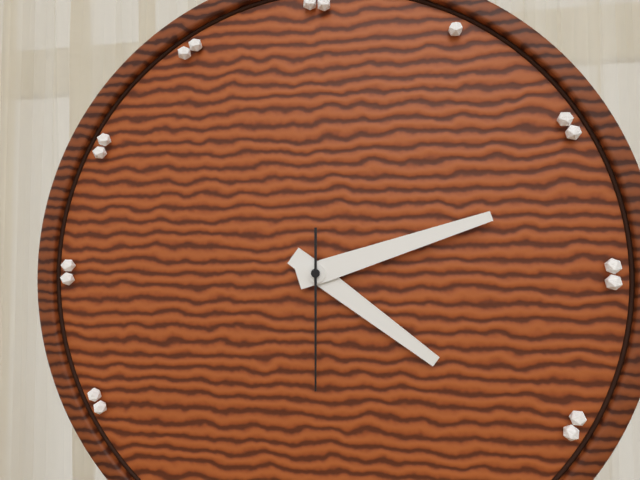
4:12:30
